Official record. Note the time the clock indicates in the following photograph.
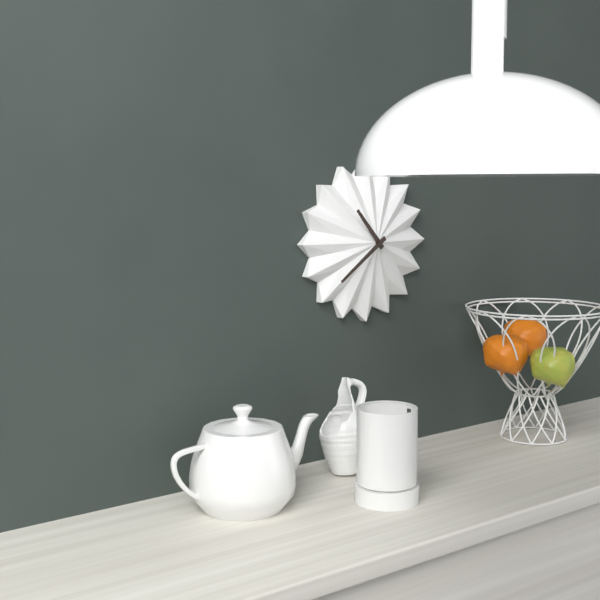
10:39
